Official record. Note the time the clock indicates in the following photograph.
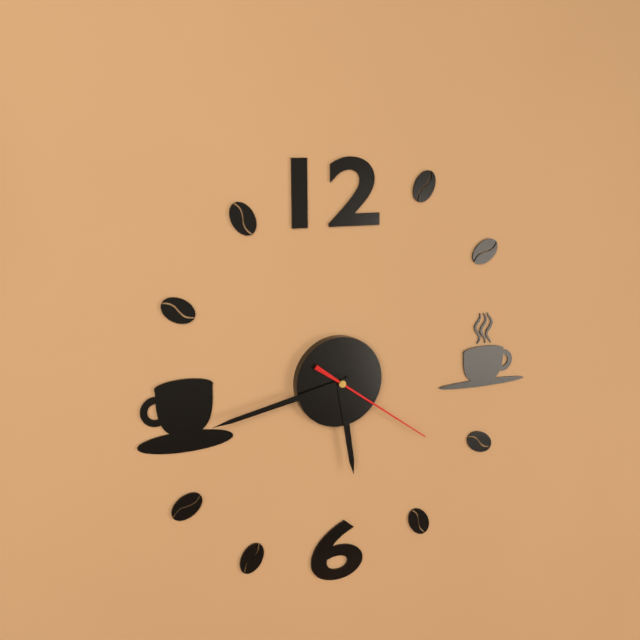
5:43:21
